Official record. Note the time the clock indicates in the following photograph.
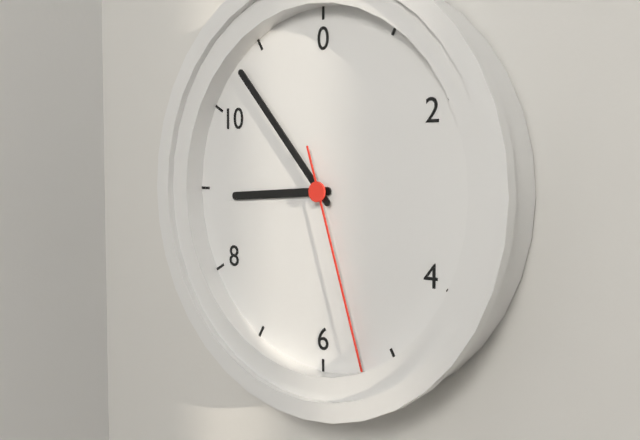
8:53:27
